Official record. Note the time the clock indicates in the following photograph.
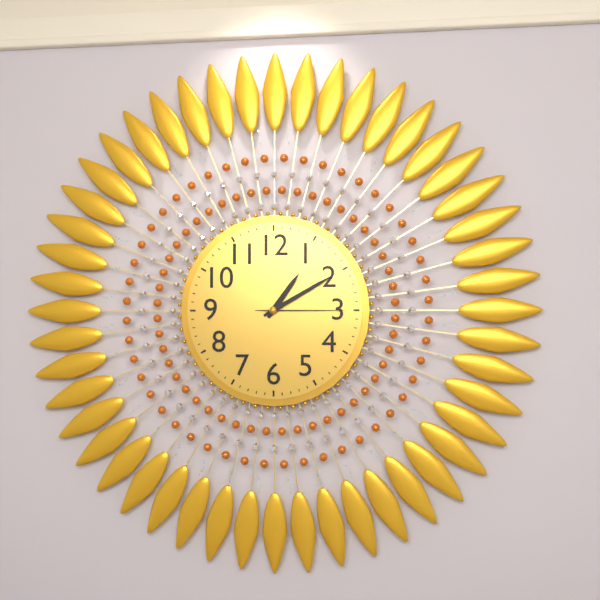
1:10:15
